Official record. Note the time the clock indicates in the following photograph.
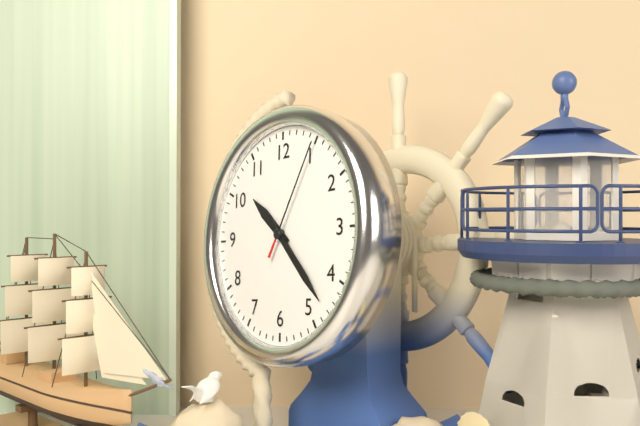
10:23:05
